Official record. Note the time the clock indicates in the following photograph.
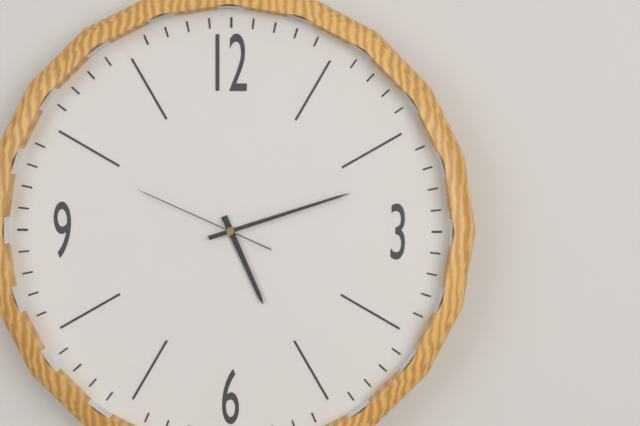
5:12:49
